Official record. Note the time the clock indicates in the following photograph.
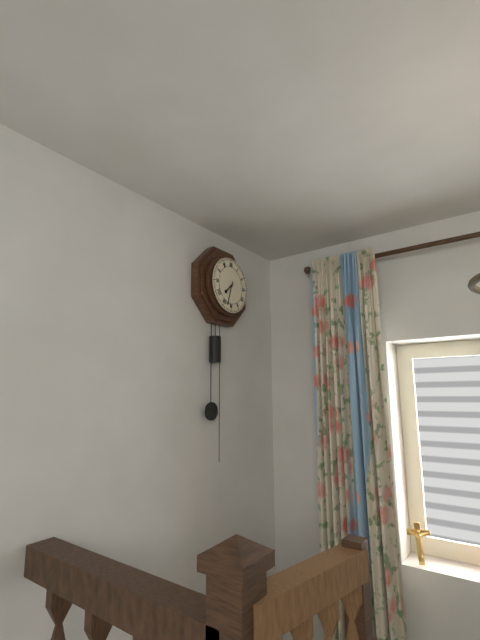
7:33
